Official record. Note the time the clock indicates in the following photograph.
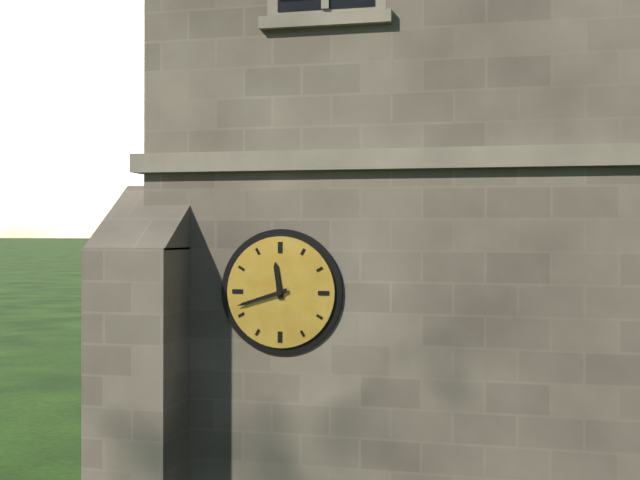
11:42
